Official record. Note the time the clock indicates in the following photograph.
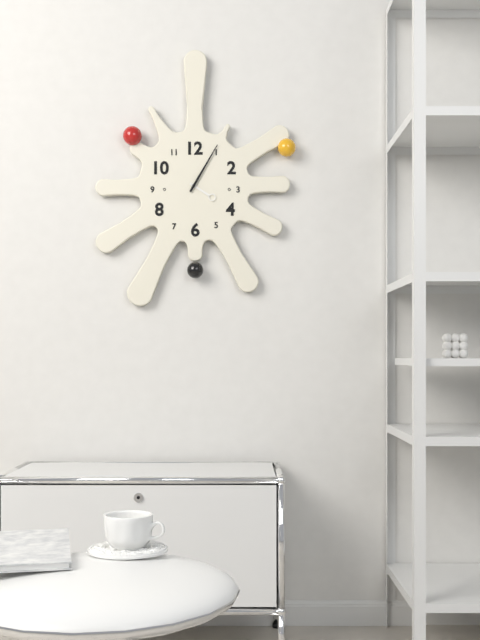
4:05
